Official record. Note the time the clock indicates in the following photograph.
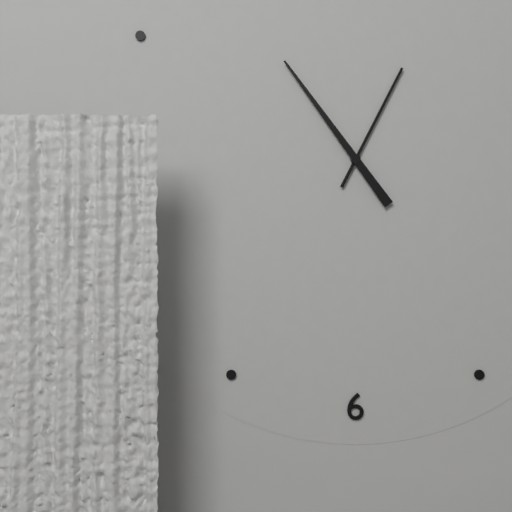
12:54
